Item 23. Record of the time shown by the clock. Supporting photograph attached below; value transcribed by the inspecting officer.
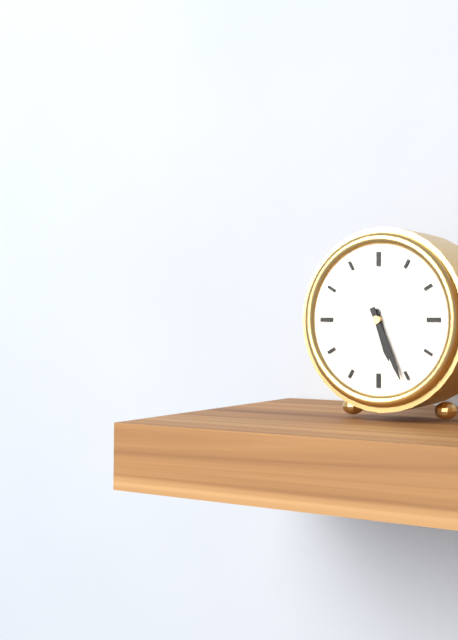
5:26
